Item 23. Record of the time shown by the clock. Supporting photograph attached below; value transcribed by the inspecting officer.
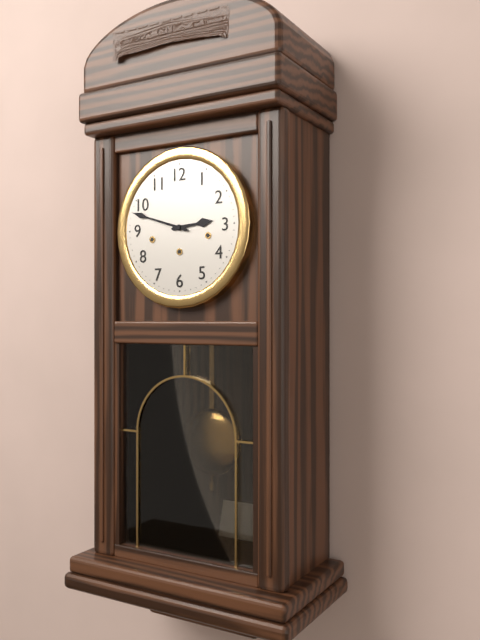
2:48
